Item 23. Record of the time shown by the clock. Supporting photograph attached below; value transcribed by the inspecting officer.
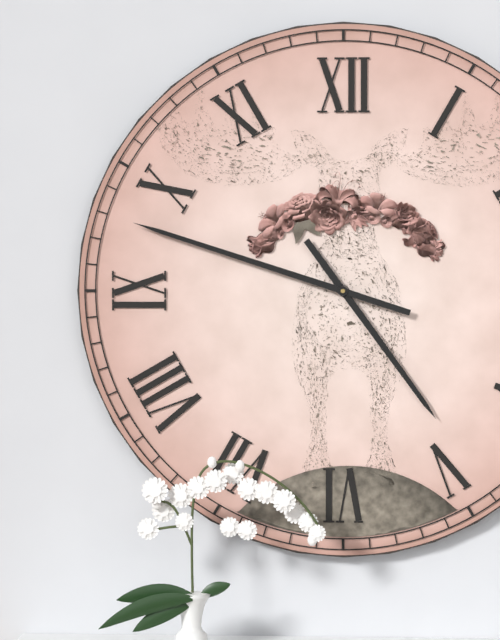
4:48
